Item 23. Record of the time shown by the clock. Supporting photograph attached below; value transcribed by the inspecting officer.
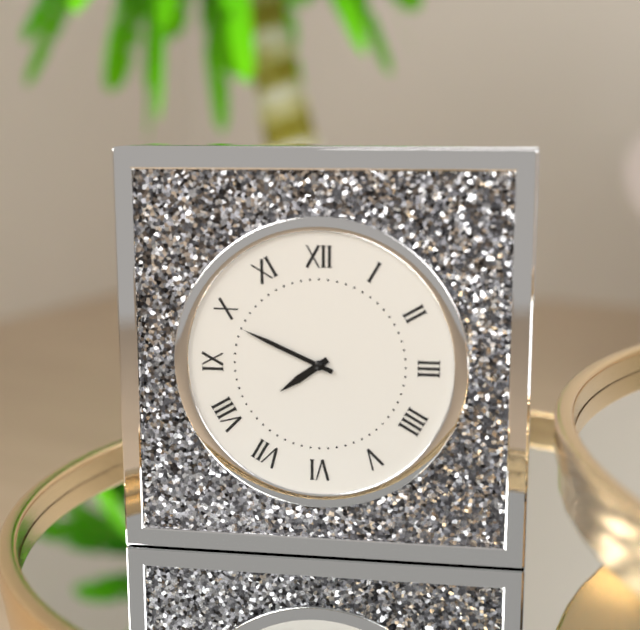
7:49
